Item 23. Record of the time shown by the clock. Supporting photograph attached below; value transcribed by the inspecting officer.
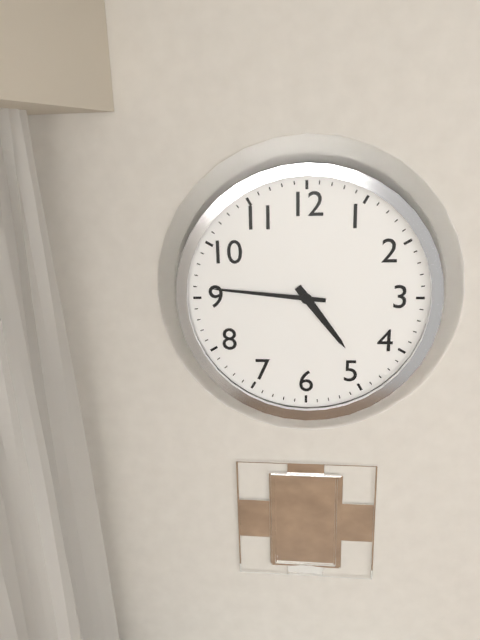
4:46
